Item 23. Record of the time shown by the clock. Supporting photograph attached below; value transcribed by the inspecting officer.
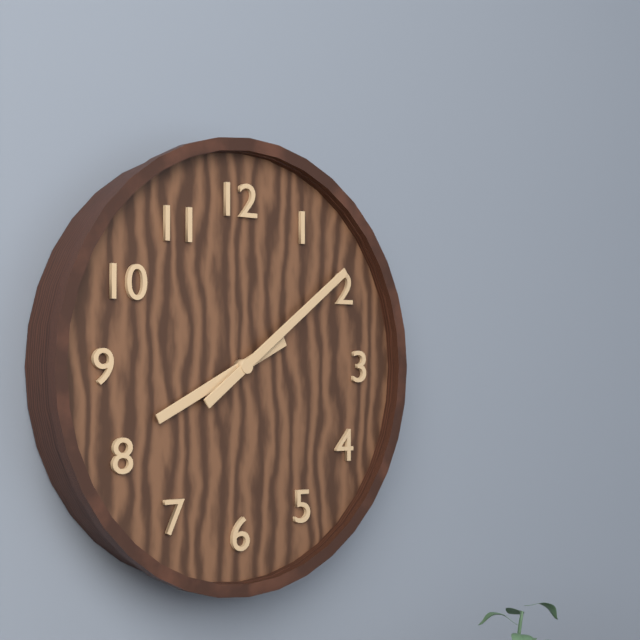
8:09
